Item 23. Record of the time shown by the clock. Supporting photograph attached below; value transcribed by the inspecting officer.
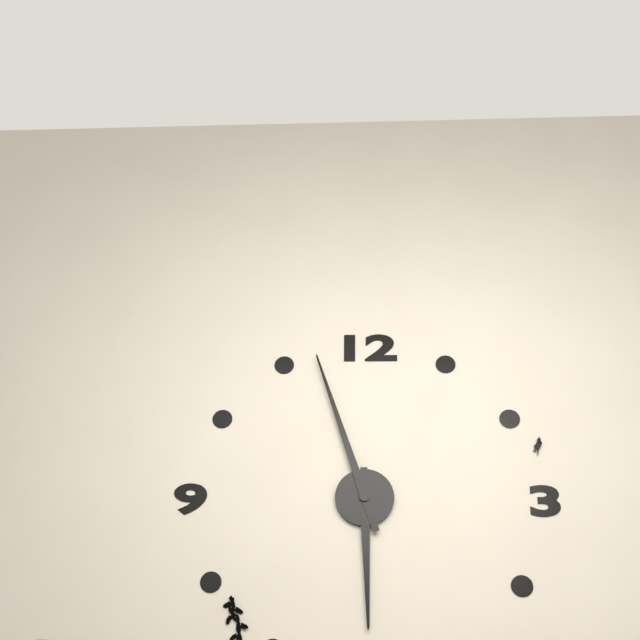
5:57
